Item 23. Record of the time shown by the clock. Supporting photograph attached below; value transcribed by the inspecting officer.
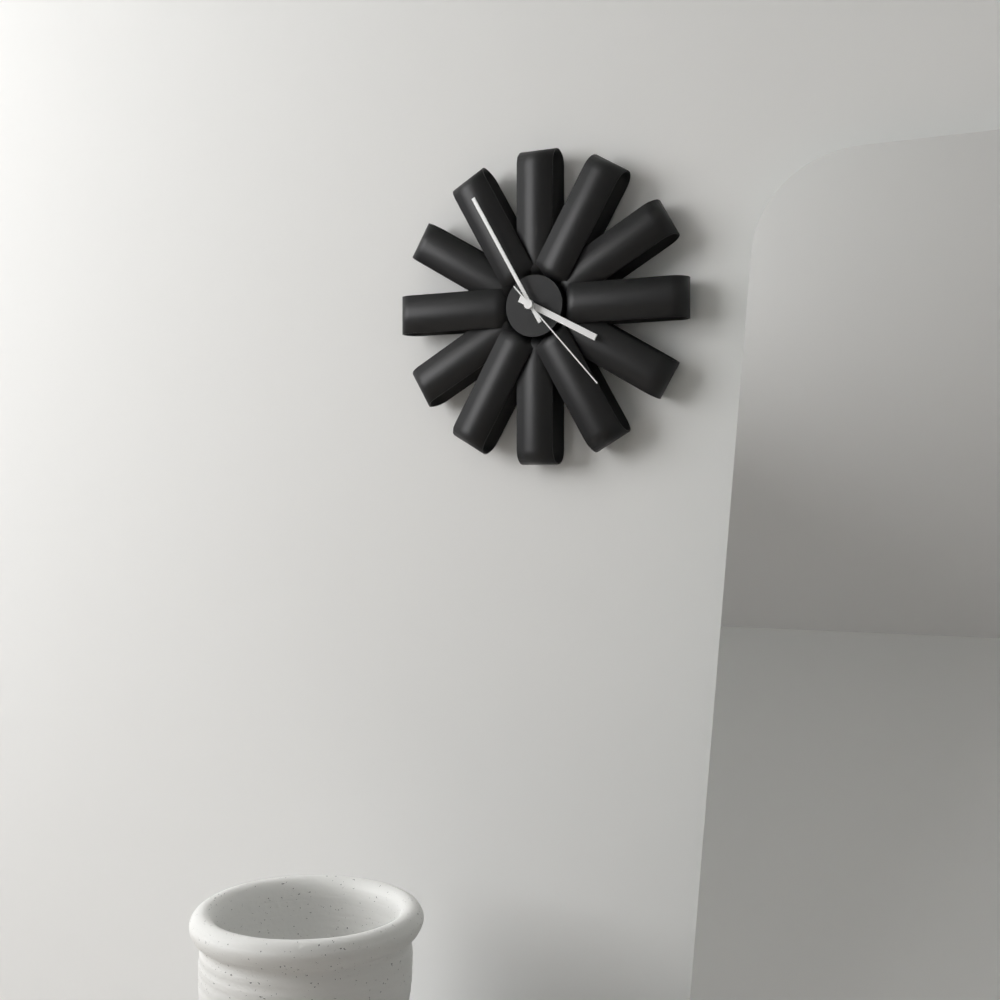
3:55:23
